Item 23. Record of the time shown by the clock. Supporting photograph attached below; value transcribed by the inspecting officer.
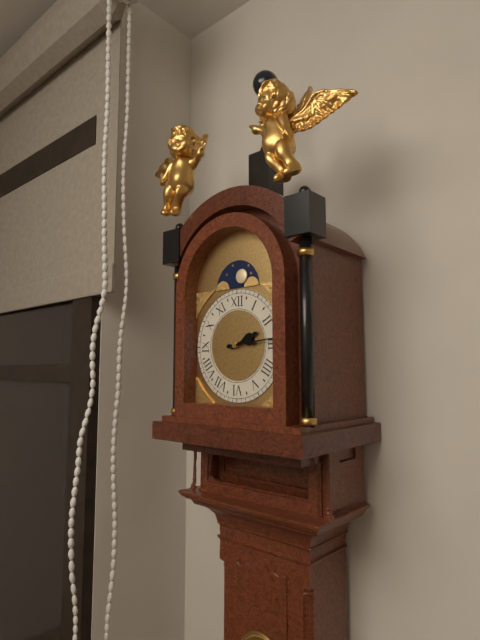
2:14
